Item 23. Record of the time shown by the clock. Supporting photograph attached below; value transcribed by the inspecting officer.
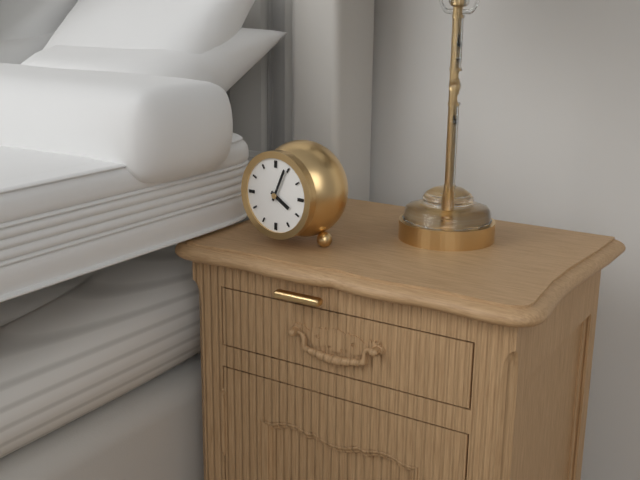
4:04
